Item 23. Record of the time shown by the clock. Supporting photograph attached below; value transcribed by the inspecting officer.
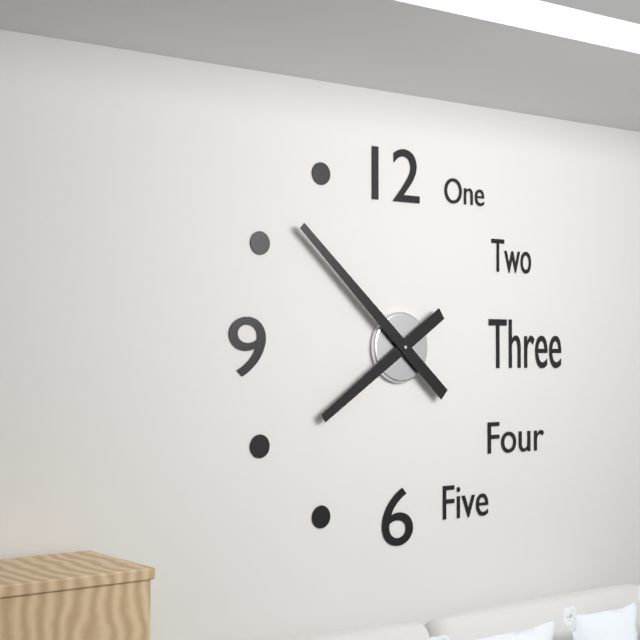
7:52
